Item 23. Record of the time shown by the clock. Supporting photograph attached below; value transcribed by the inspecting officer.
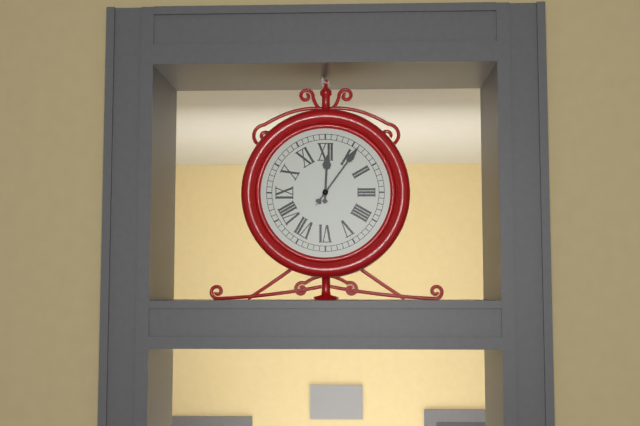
12:06
